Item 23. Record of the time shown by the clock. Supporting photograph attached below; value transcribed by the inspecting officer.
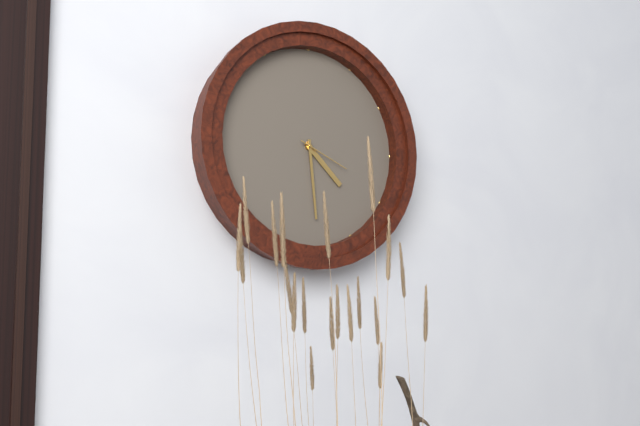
4:29:19
